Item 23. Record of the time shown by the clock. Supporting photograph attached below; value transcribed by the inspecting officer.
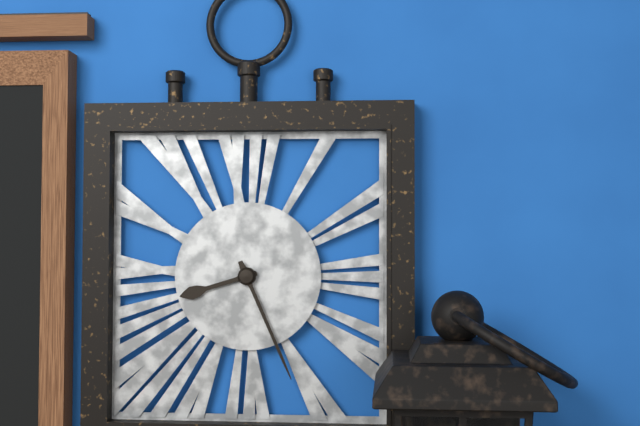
8:26
